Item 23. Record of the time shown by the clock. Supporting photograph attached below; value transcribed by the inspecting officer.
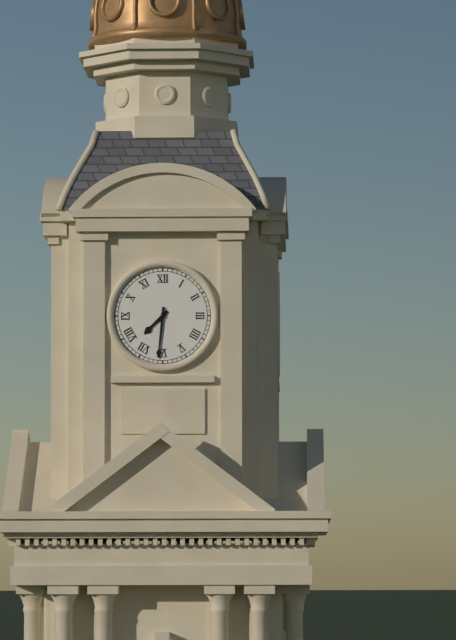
7:31
